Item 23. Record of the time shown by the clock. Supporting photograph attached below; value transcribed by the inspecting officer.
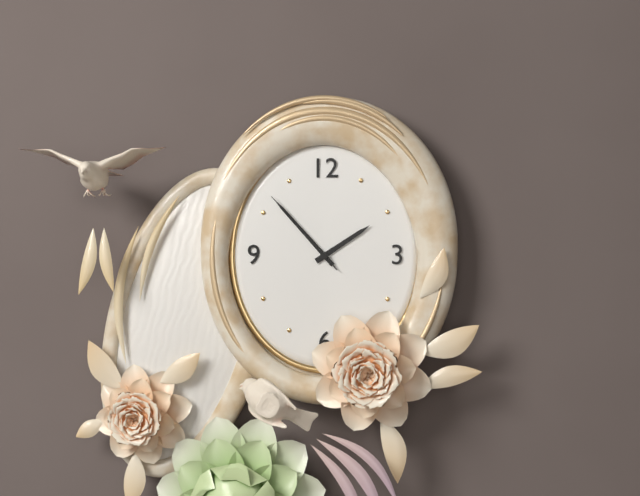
1:53:53
